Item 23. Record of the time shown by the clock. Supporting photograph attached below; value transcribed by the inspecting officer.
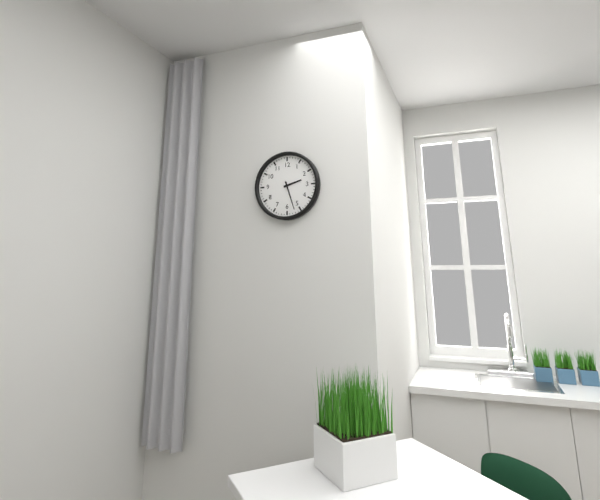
2:27
